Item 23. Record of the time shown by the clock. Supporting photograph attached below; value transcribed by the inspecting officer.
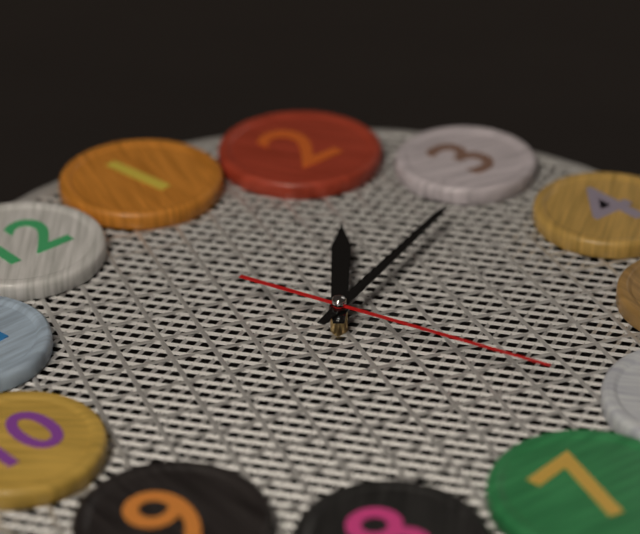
2:16:31
